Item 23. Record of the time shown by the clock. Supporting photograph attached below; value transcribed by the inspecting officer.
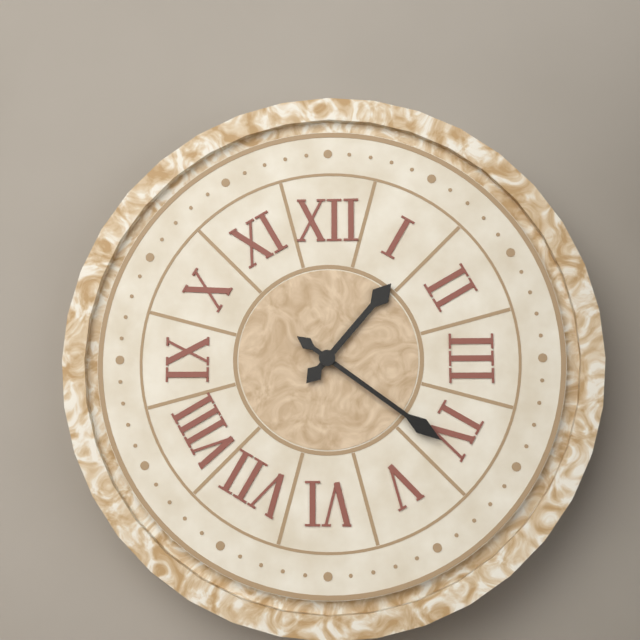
1:21
